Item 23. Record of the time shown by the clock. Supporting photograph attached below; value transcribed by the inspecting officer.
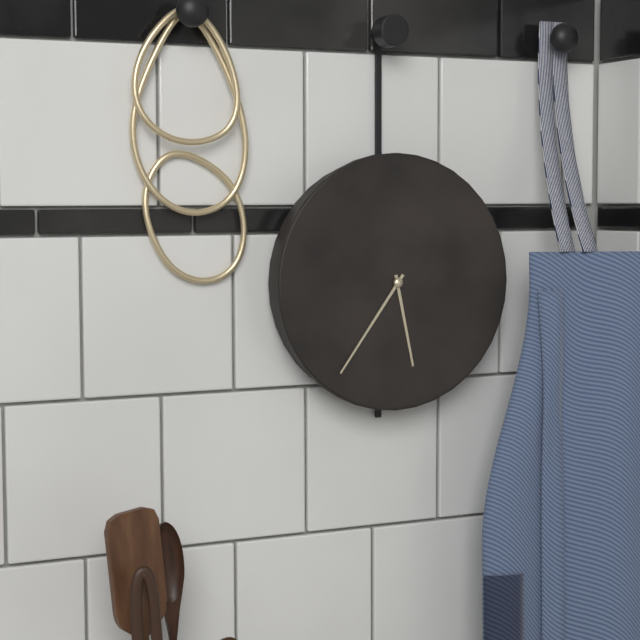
5:36
